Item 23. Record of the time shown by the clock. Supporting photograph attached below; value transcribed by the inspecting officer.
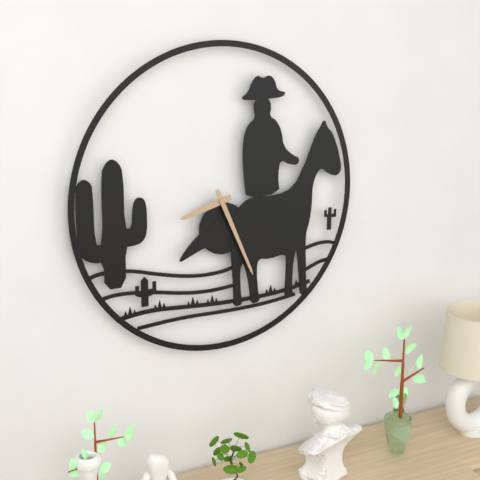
8:26
